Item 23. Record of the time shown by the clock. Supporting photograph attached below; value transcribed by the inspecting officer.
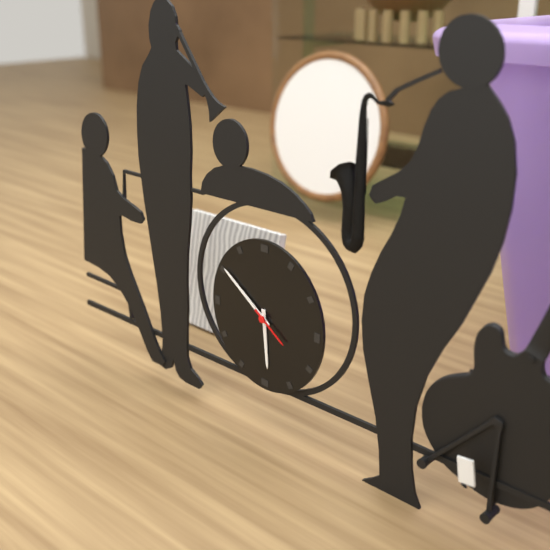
5:51
